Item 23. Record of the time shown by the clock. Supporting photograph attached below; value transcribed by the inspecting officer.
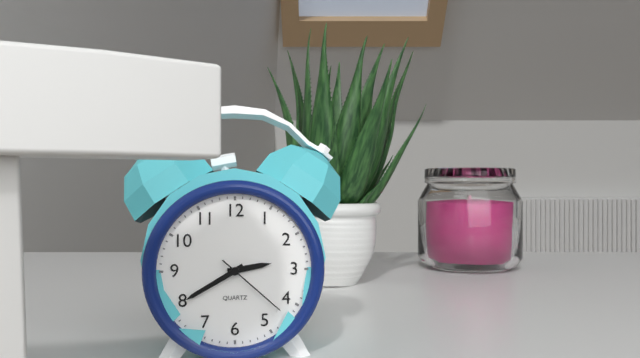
2:40:22
